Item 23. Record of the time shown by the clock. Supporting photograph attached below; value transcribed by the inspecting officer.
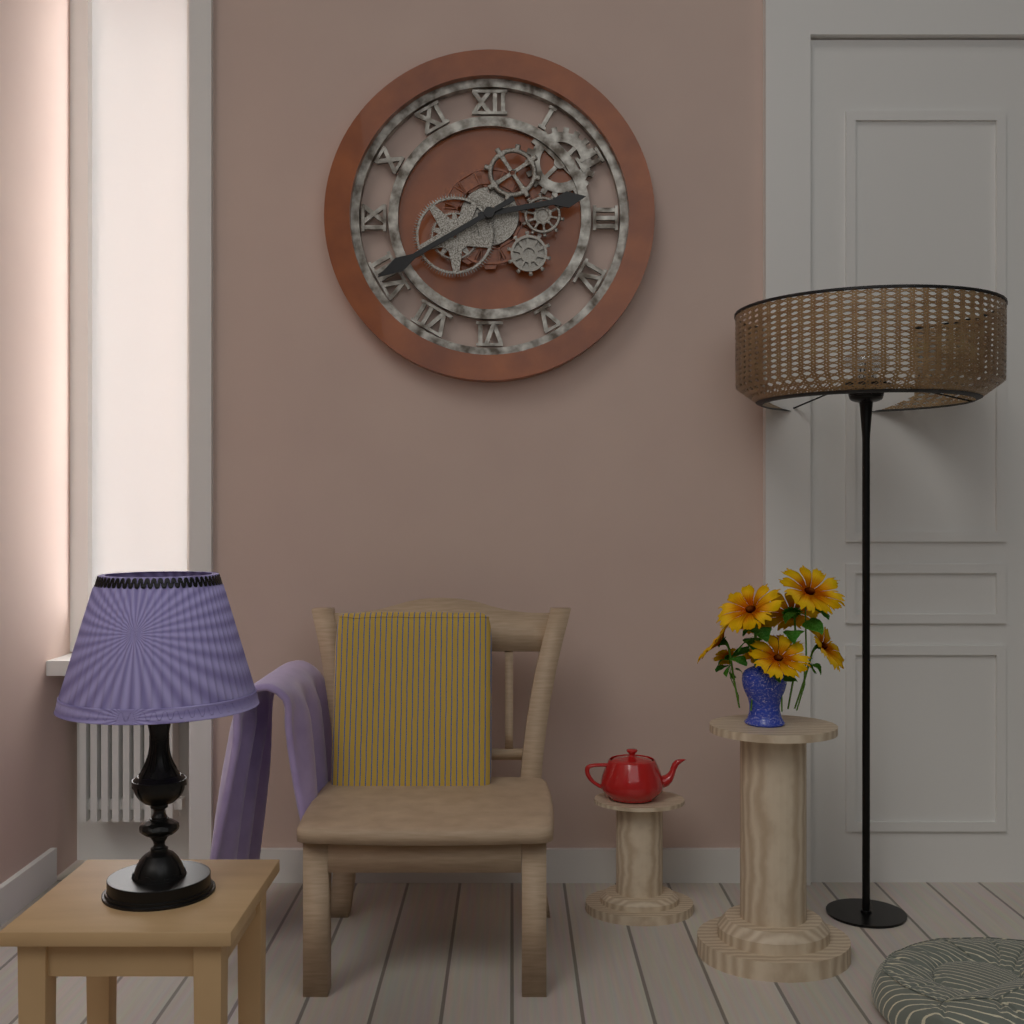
2:40
